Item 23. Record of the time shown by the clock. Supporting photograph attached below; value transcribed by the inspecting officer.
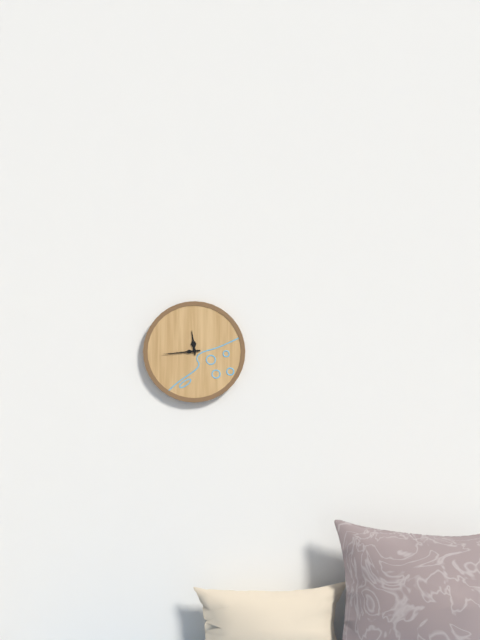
11:44
